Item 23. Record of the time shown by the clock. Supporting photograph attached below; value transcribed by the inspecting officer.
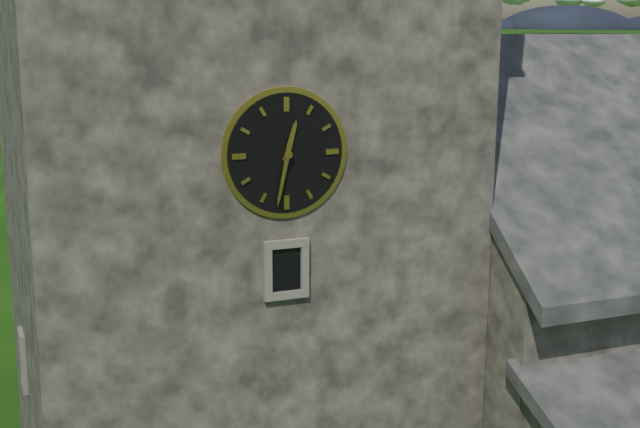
12:32
